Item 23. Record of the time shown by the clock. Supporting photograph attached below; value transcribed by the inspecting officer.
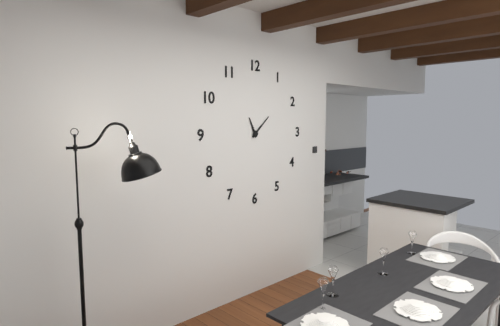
11:08
